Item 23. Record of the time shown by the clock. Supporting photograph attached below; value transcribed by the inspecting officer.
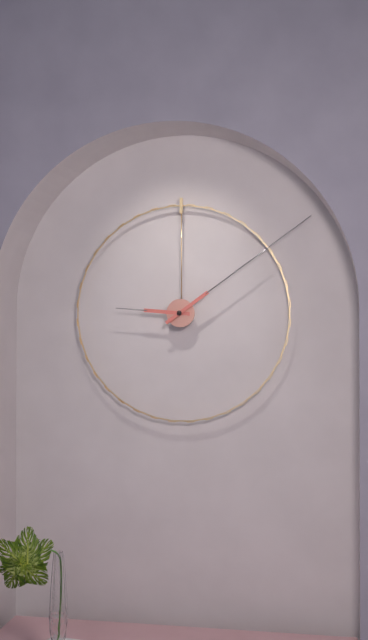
9:09
